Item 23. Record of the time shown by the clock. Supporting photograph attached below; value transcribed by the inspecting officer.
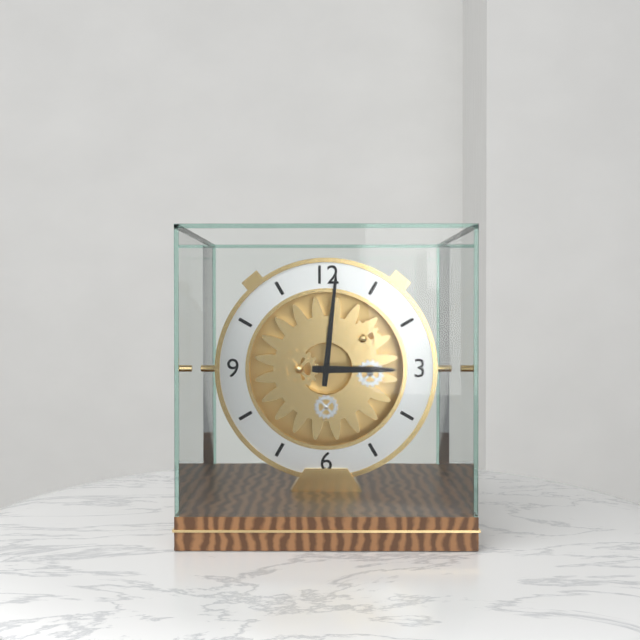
3:01
